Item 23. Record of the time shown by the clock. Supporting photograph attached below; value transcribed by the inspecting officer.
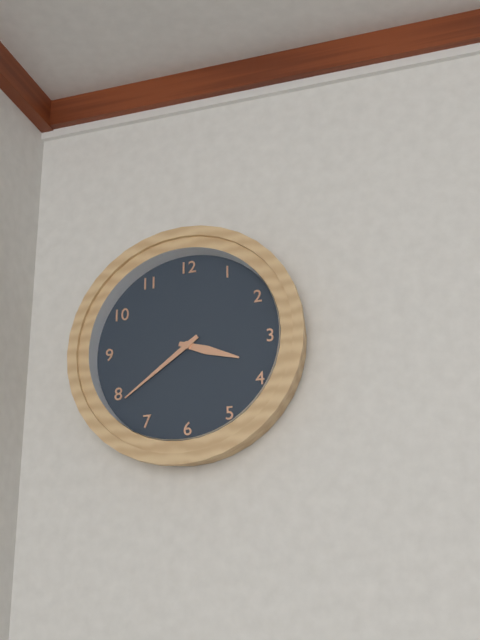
3:39
